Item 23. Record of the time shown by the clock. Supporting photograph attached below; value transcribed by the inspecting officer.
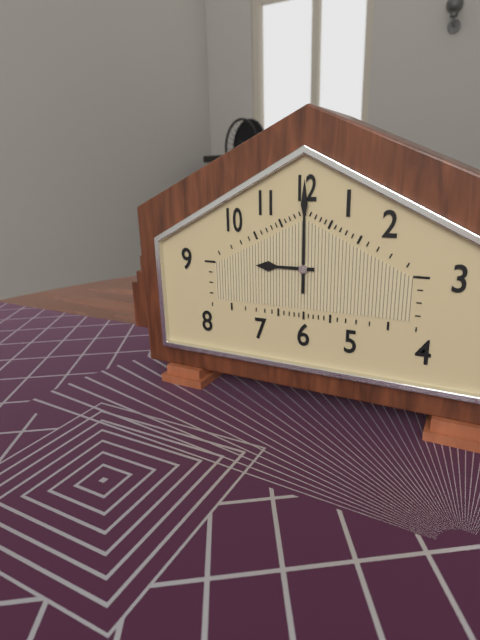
9:00
